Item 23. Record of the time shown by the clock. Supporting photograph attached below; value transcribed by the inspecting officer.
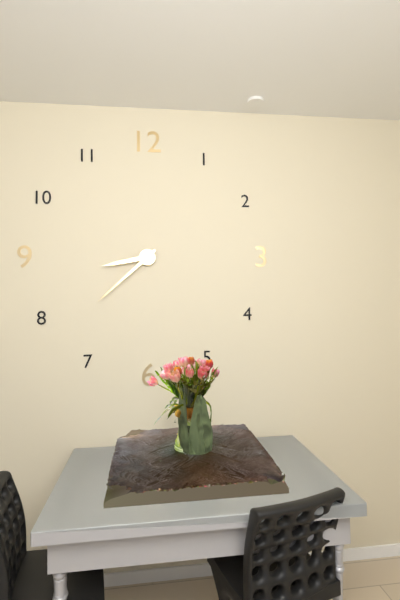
8:38
